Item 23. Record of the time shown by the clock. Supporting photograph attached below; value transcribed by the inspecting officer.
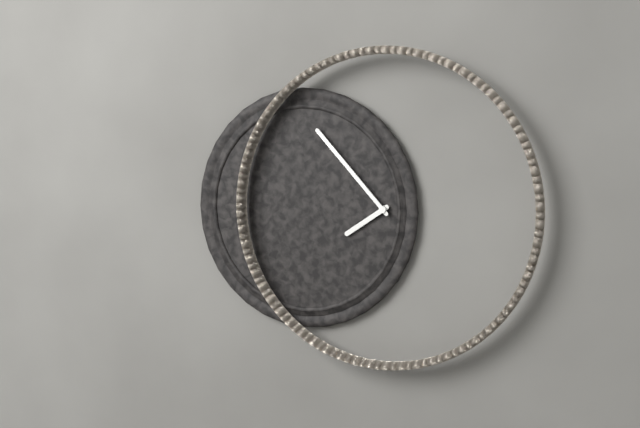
7:53
